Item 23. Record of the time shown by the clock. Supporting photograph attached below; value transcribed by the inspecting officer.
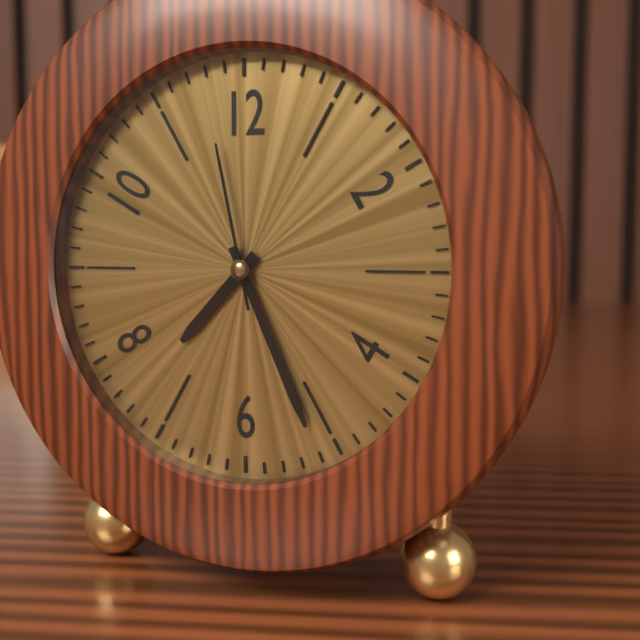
7:26:58
